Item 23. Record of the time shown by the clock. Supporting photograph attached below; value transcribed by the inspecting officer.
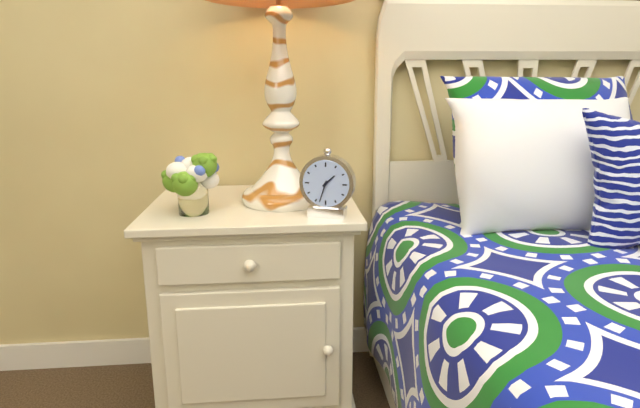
1:33
